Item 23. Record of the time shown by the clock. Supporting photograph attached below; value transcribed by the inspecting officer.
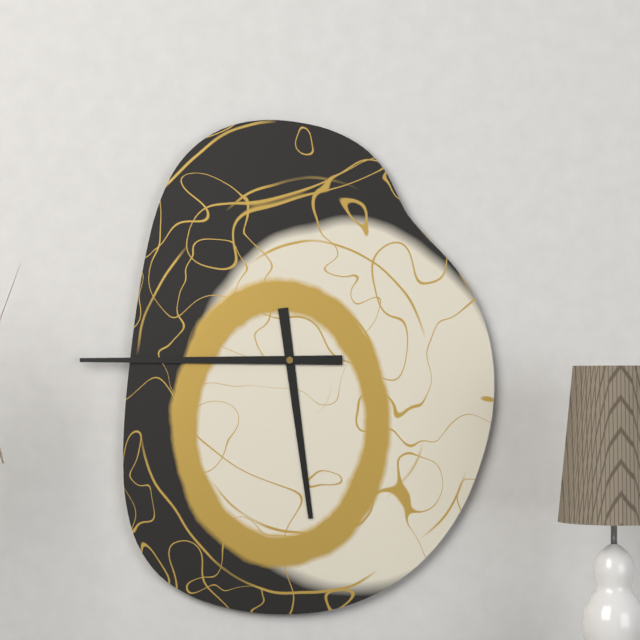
5:45
